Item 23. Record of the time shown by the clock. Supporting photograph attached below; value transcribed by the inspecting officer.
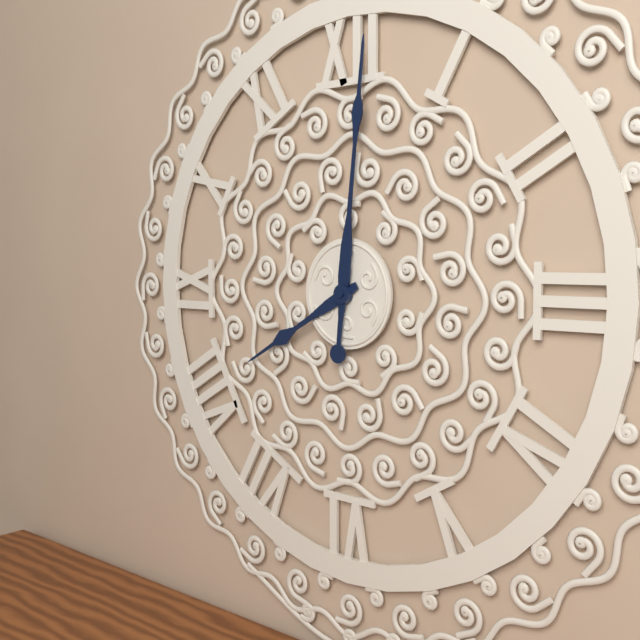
8:01
